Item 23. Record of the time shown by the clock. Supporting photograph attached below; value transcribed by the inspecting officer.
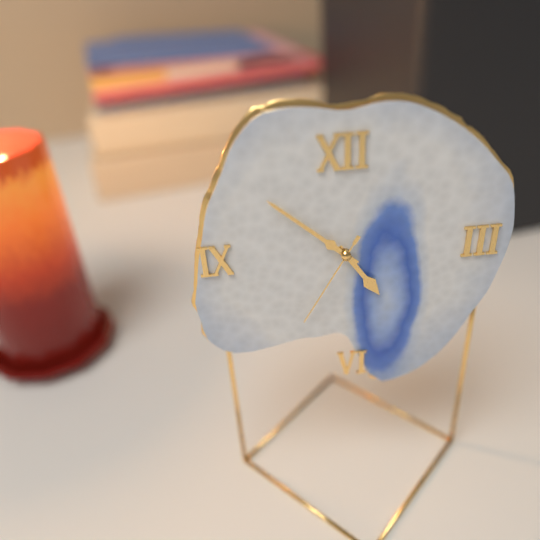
4:52:35
